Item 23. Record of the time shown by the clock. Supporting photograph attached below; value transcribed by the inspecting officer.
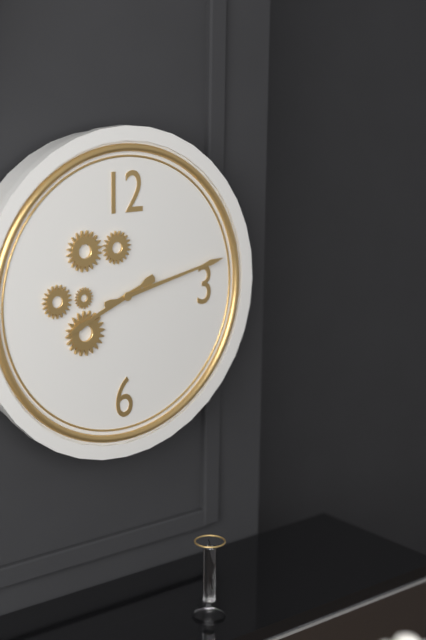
8:13
